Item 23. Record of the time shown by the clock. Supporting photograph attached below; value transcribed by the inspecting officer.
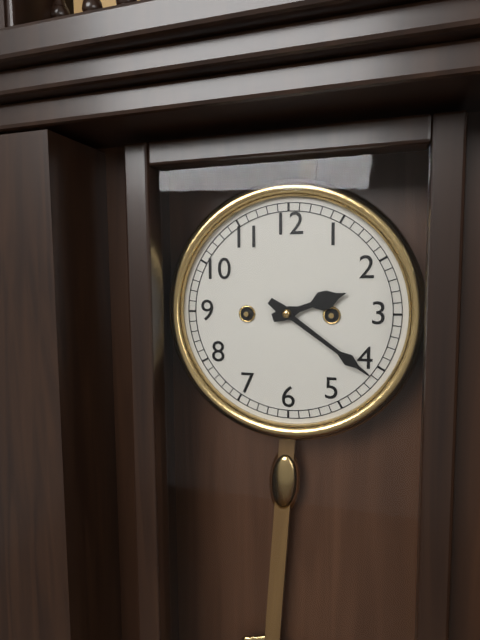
2:21
